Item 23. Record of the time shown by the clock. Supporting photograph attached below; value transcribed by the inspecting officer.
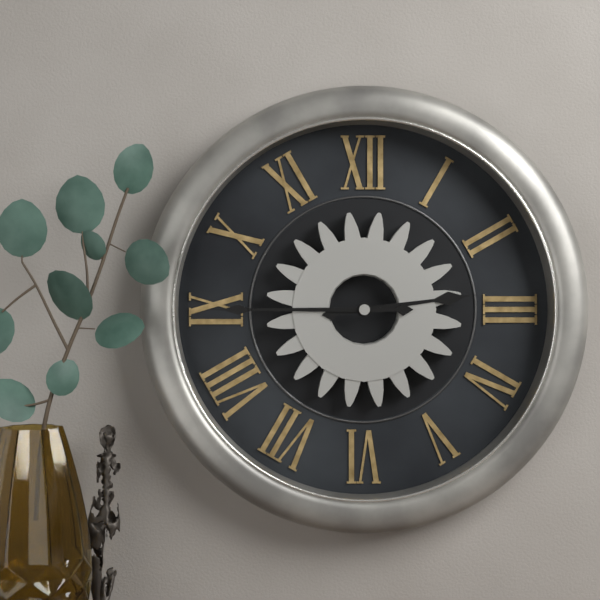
2:45
